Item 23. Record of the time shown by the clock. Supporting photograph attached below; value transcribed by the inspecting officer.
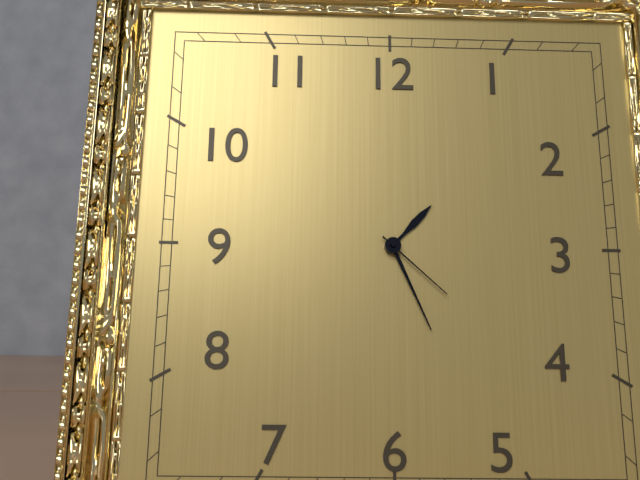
1:26:22
